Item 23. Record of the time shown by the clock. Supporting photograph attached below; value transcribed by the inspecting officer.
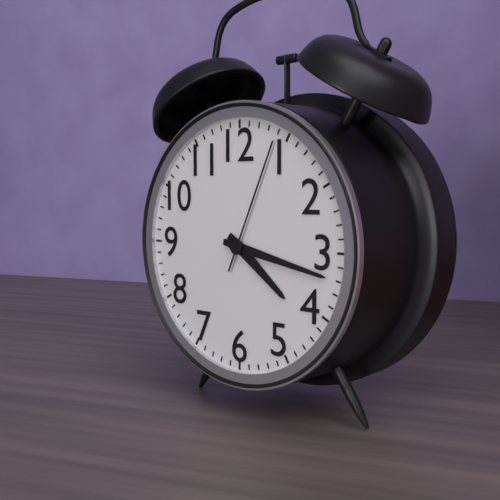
4:17:04
